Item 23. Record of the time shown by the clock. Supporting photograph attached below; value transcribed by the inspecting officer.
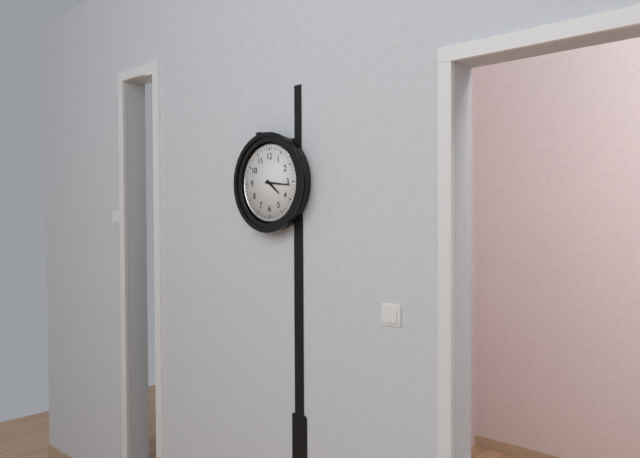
4:16
